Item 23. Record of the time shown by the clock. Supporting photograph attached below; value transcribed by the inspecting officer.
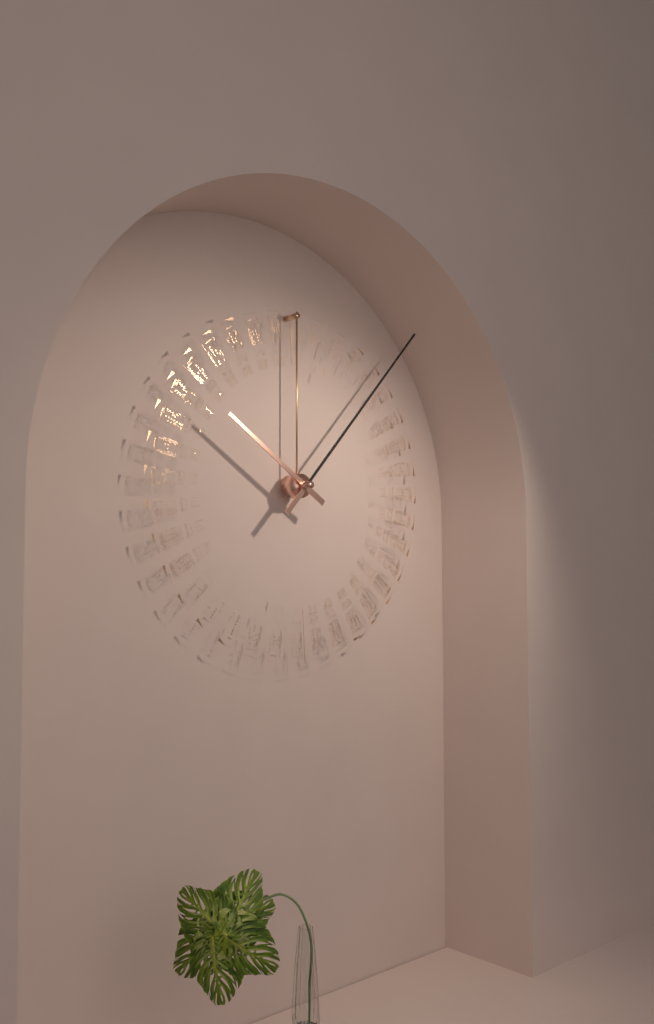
10:07
